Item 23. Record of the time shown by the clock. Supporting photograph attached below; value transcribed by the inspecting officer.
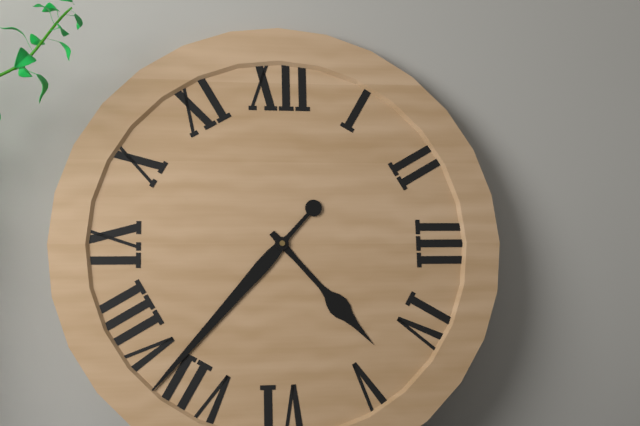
4:37
